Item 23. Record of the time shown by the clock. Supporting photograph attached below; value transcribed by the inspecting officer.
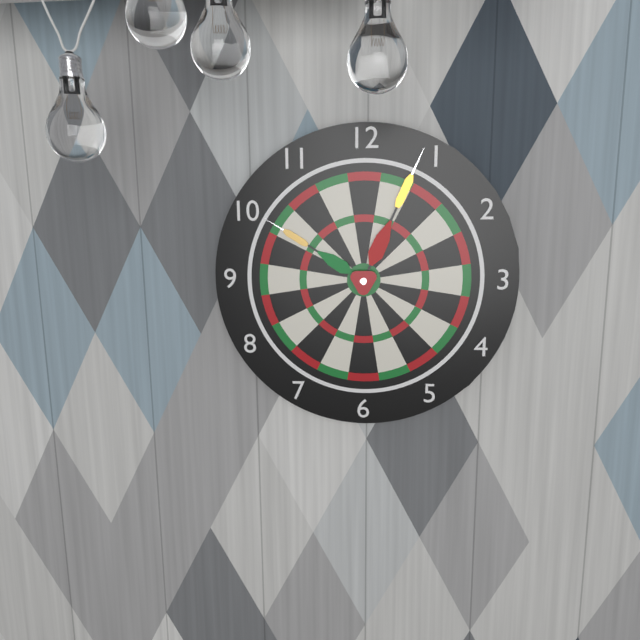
10:04
